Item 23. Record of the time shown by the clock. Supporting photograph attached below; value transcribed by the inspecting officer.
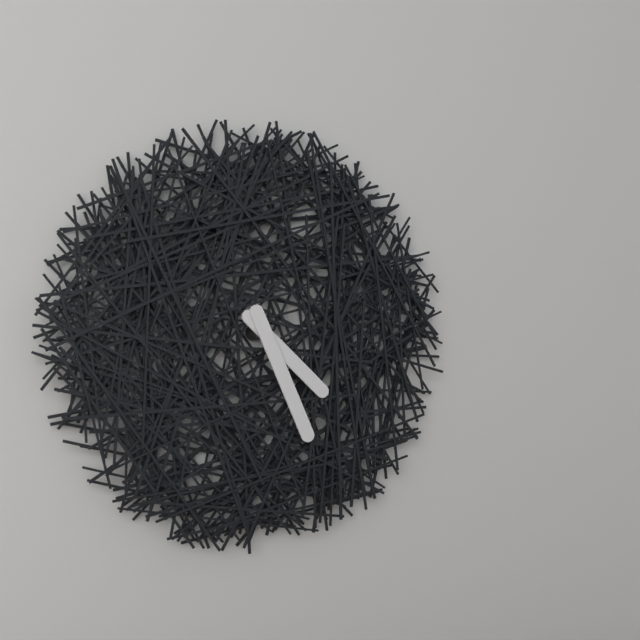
4:26
